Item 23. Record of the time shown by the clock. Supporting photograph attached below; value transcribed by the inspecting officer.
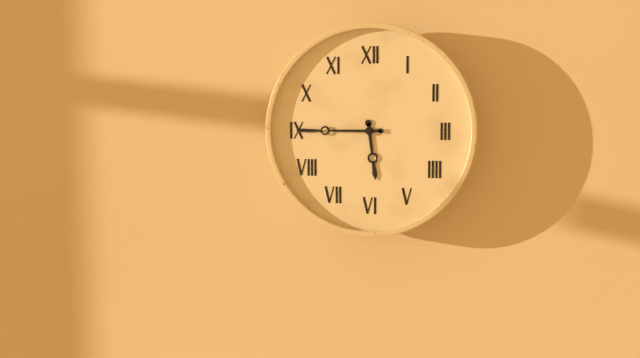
5:45
